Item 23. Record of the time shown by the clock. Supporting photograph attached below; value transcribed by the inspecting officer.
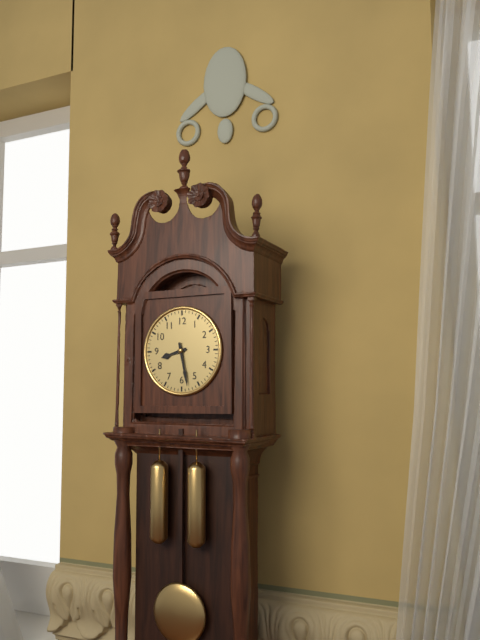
8:28
